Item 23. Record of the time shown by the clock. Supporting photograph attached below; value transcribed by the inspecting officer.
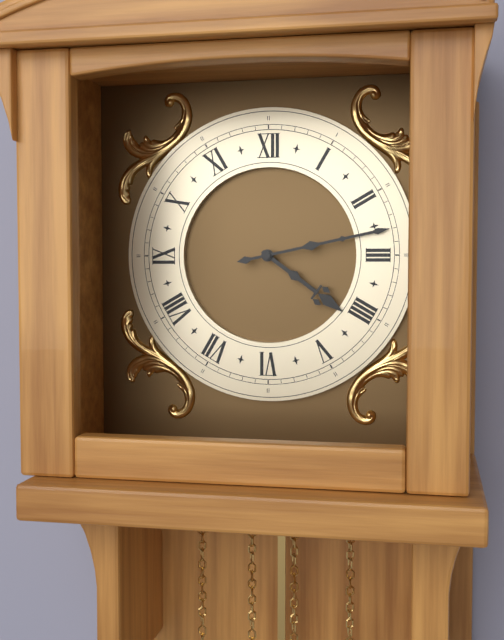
4:13
